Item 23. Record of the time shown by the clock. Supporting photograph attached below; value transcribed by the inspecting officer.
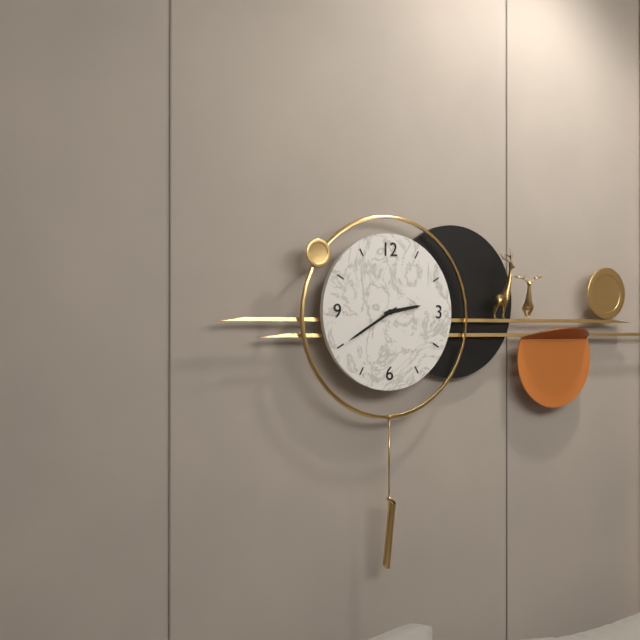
2:40
